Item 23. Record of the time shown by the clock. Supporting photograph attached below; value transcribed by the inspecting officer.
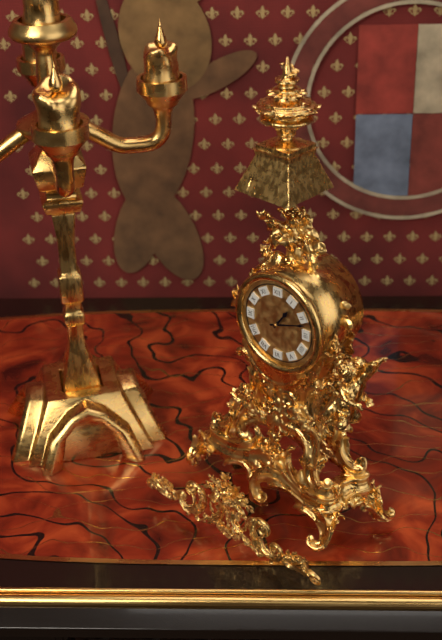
1:12
